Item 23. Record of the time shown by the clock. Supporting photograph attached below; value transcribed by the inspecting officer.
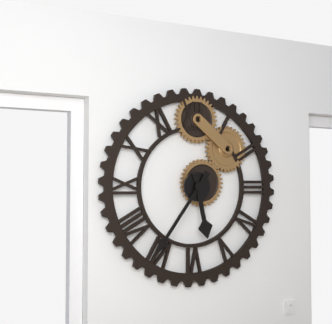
5:36
